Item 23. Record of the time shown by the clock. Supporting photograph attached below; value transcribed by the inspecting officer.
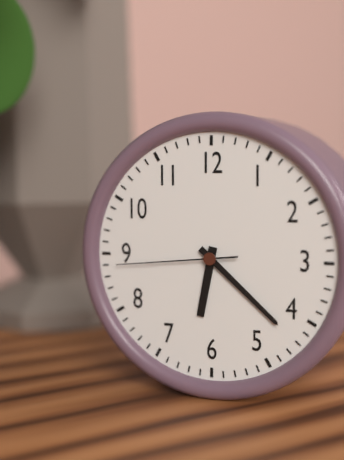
6:22:44
